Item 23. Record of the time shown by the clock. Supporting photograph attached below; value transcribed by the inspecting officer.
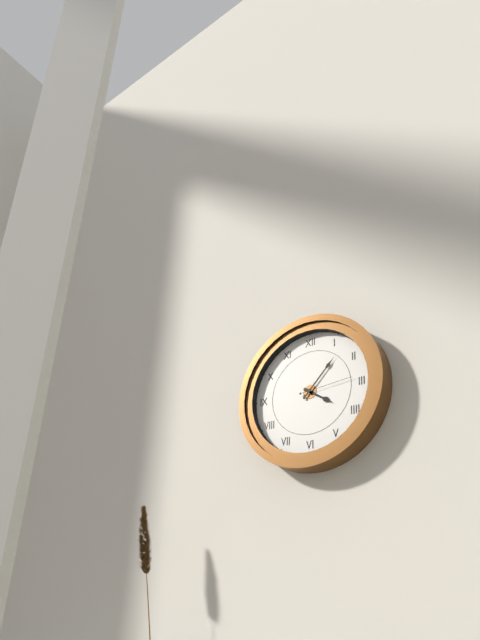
4:07:14
